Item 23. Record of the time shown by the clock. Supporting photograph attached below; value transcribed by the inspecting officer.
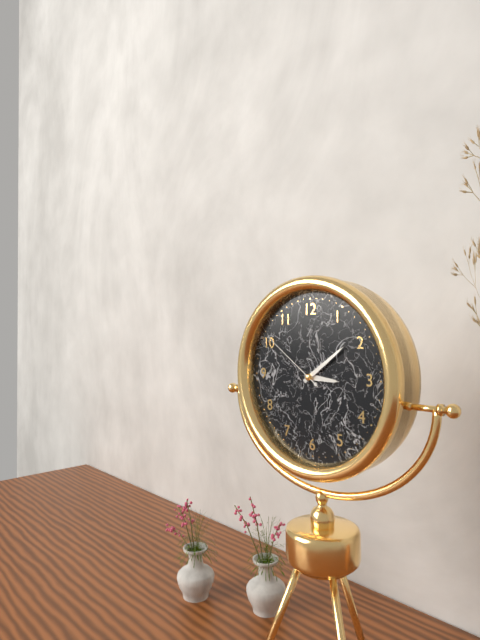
3:09:51
